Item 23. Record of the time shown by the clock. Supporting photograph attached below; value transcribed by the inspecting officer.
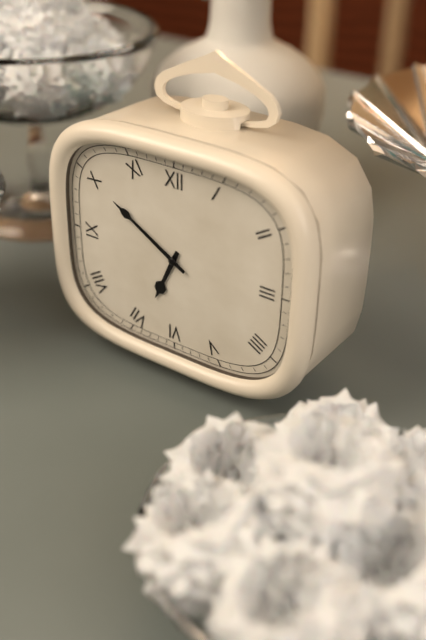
6:50
